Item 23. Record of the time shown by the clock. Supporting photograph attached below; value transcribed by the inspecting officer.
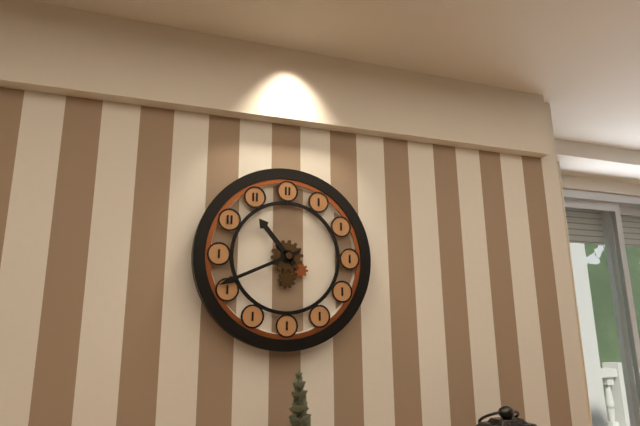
10:41
